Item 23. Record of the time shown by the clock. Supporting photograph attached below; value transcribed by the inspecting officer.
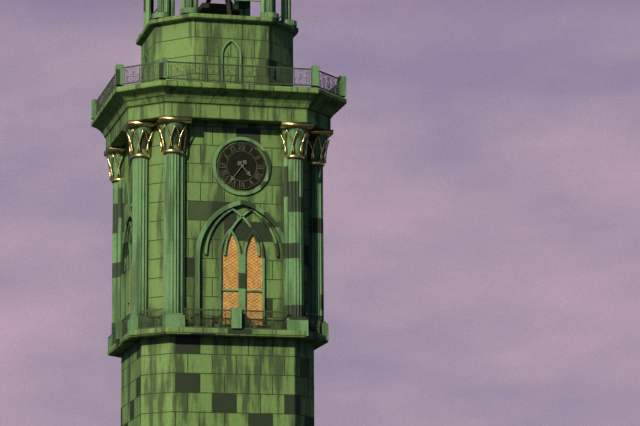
4:36
